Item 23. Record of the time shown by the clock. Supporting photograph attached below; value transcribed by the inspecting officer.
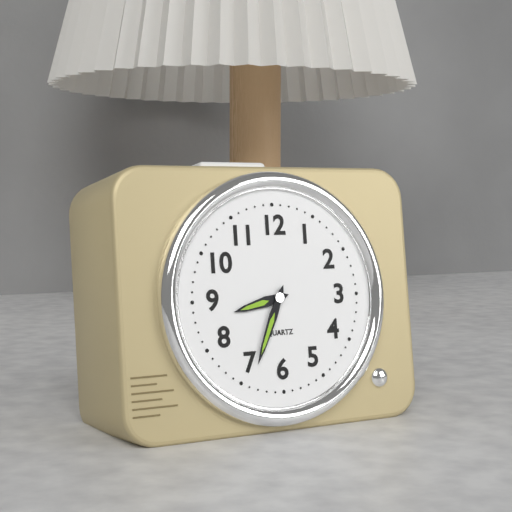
8:34
